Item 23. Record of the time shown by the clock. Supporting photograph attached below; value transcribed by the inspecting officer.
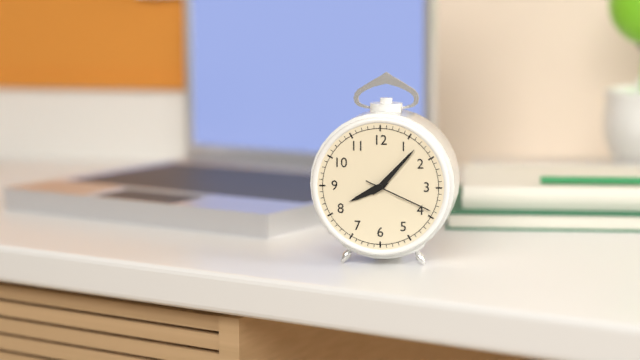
8:07:19
